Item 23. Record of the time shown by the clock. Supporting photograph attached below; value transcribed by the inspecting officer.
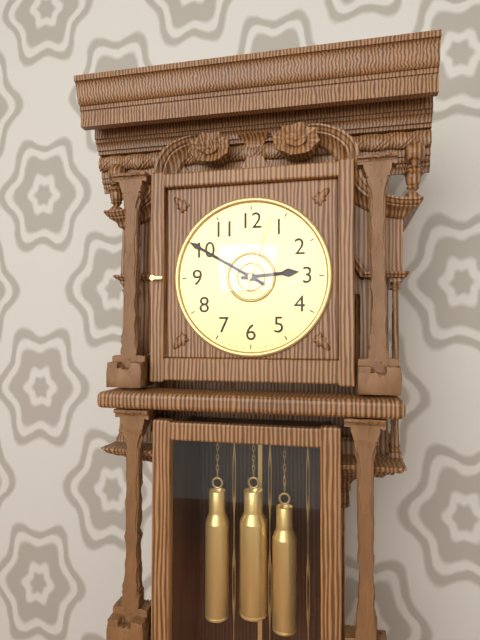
2:50:03
